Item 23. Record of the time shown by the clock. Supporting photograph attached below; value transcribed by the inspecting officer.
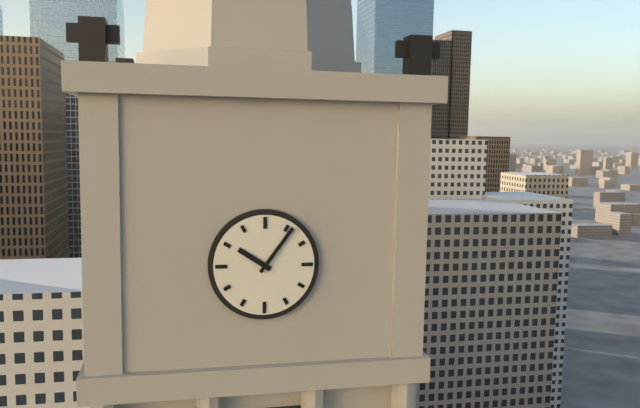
10:06
